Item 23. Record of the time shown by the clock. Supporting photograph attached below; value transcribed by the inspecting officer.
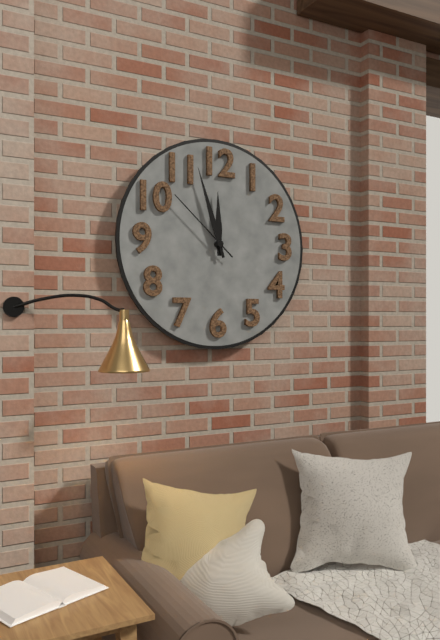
11:57:52
